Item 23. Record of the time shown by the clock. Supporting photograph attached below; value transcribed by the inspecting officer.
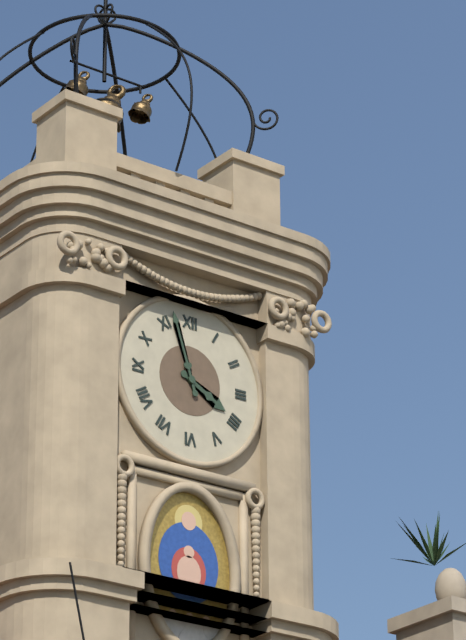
3:57
